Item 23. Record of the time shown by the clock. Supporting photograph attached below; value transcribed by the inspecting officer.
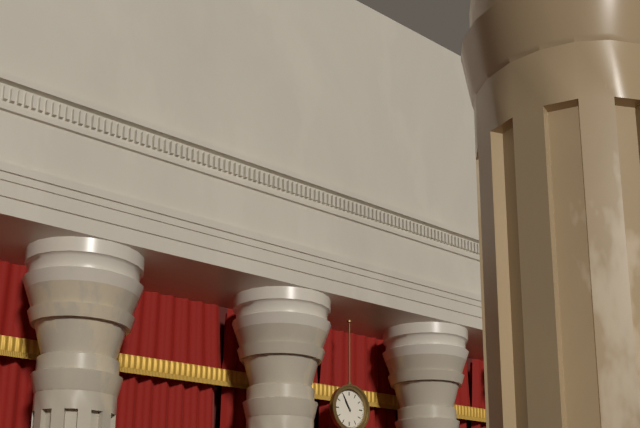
10:55
